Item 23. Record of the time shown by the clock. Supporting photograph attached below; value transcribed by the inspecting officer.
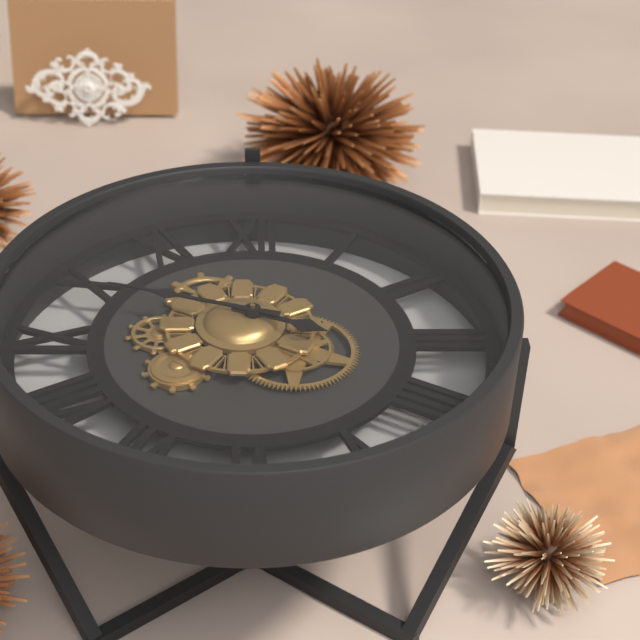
3:48
